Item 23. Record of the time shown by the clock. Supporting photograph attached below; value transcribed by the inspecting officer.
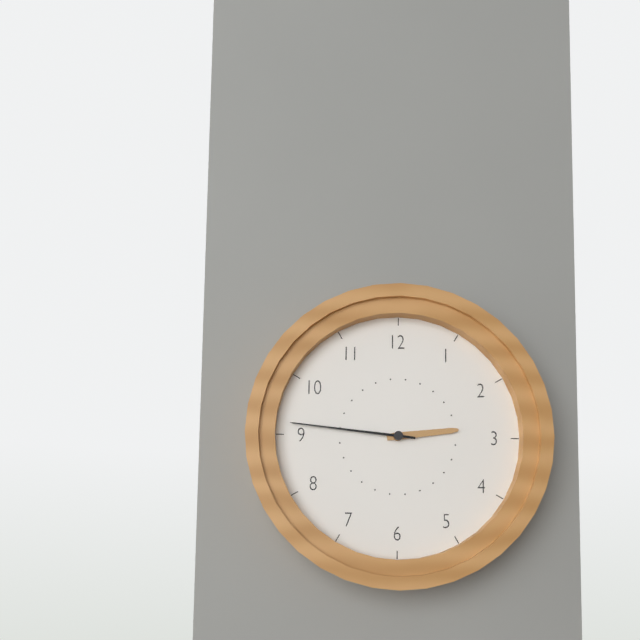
2:46
